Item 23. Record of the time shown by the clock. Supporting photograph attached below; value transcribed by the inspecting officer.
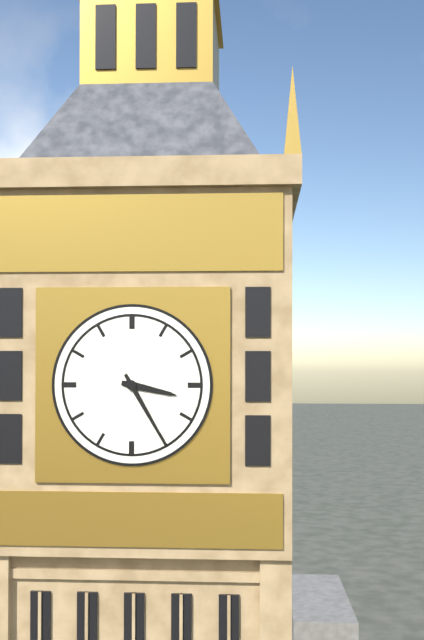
3:25
